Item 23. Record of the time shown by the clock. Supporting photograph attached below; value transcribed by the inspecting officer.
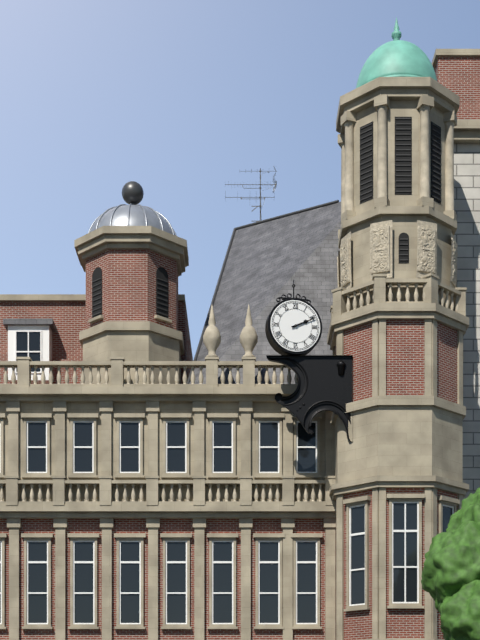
2:11
